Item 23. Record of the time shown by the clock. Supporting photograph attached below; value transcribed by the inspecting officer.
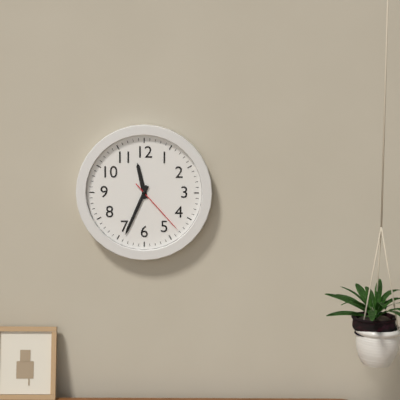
11:34:23
